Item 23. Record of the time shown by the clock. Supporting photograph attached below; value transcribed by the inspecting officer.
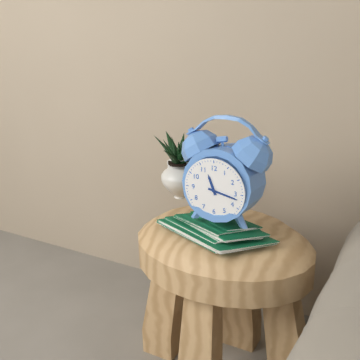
11:17
